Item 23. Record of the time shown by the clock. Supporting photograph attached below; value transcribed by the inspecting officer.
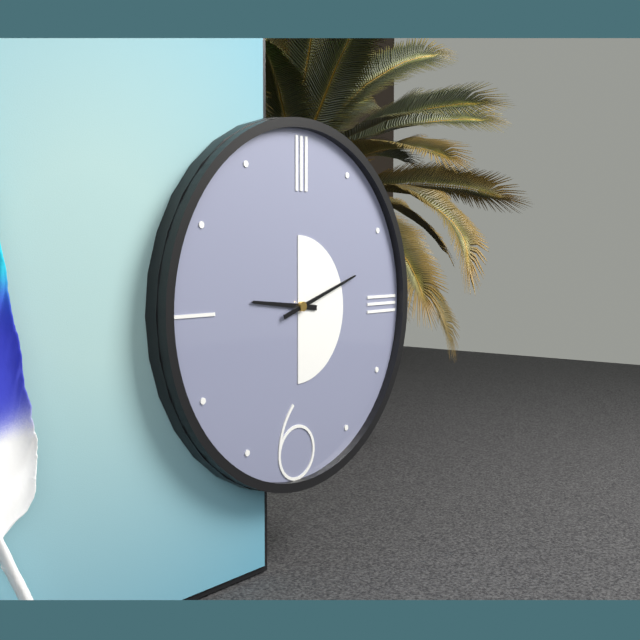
9:12
